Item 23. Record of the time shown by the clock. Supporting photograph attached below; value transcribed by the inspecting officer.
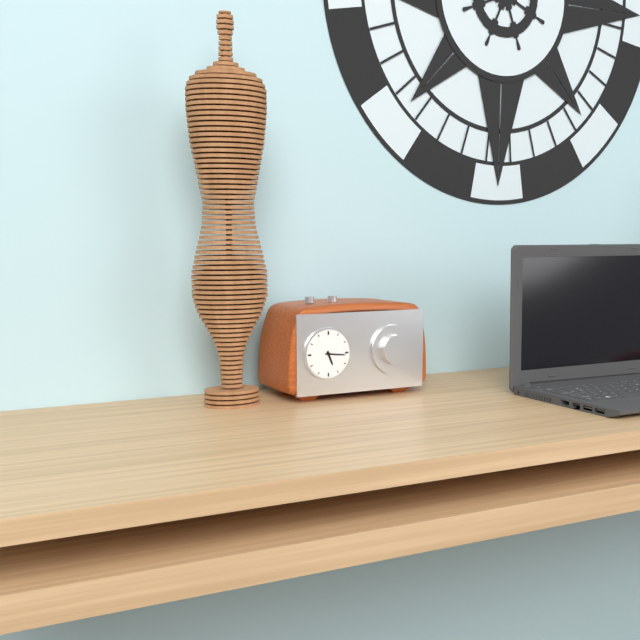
5:16
